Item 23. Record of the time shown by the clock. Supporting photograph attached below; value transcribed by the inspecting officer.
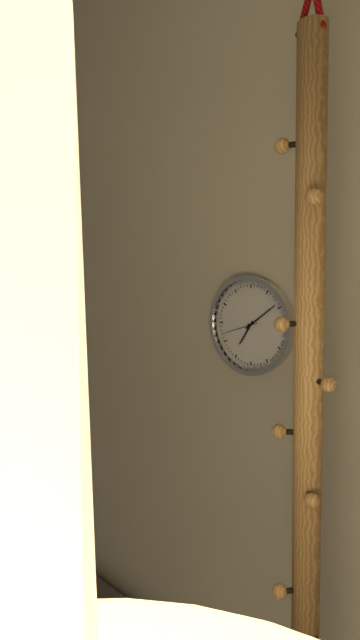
7:09
